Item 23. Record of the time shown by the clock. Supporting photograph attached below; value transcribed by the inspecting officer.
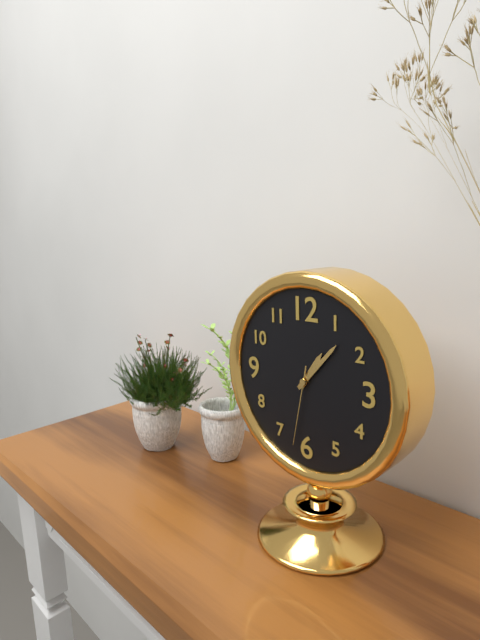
1:07:32
